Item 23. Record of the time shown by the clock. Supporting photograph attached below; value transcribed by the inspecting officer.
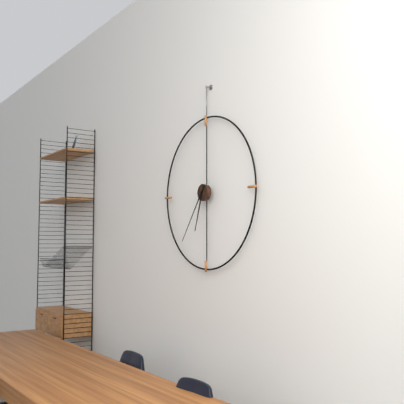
6:36
